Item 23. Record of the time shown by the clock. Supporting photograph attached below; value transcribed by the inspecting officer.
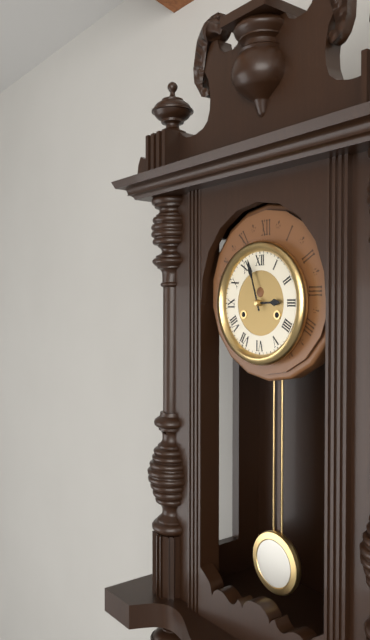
2:57
